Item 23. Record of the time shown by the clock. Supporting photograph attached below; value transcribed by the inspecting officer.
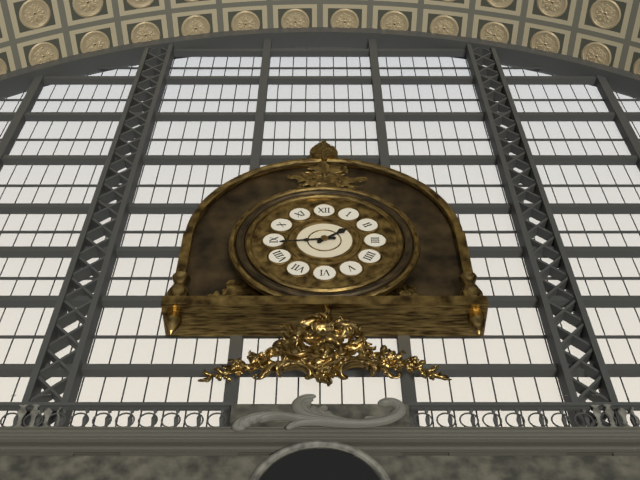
1:44
